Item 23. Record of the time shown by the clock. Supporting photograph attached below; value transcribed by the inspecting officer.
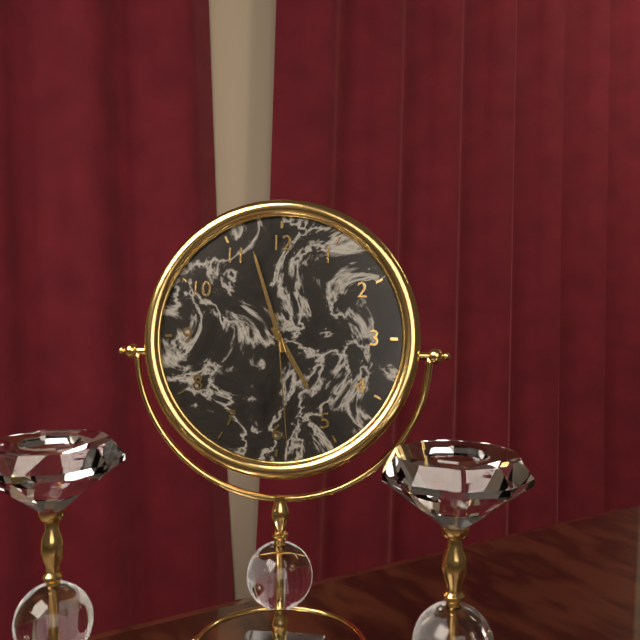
4:57:29
